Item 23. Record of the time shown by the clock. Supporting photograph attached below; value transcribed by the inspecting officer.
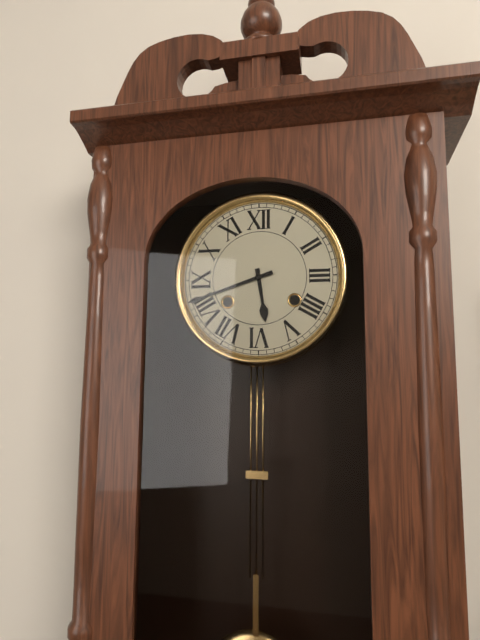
5:42
